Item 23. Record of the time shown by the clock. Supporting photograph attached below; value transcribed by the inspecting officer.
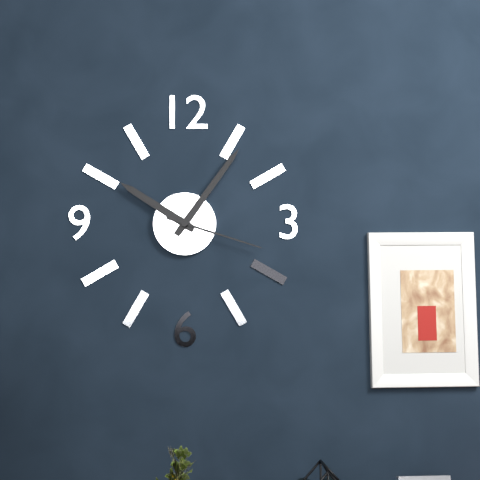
10:06:18
